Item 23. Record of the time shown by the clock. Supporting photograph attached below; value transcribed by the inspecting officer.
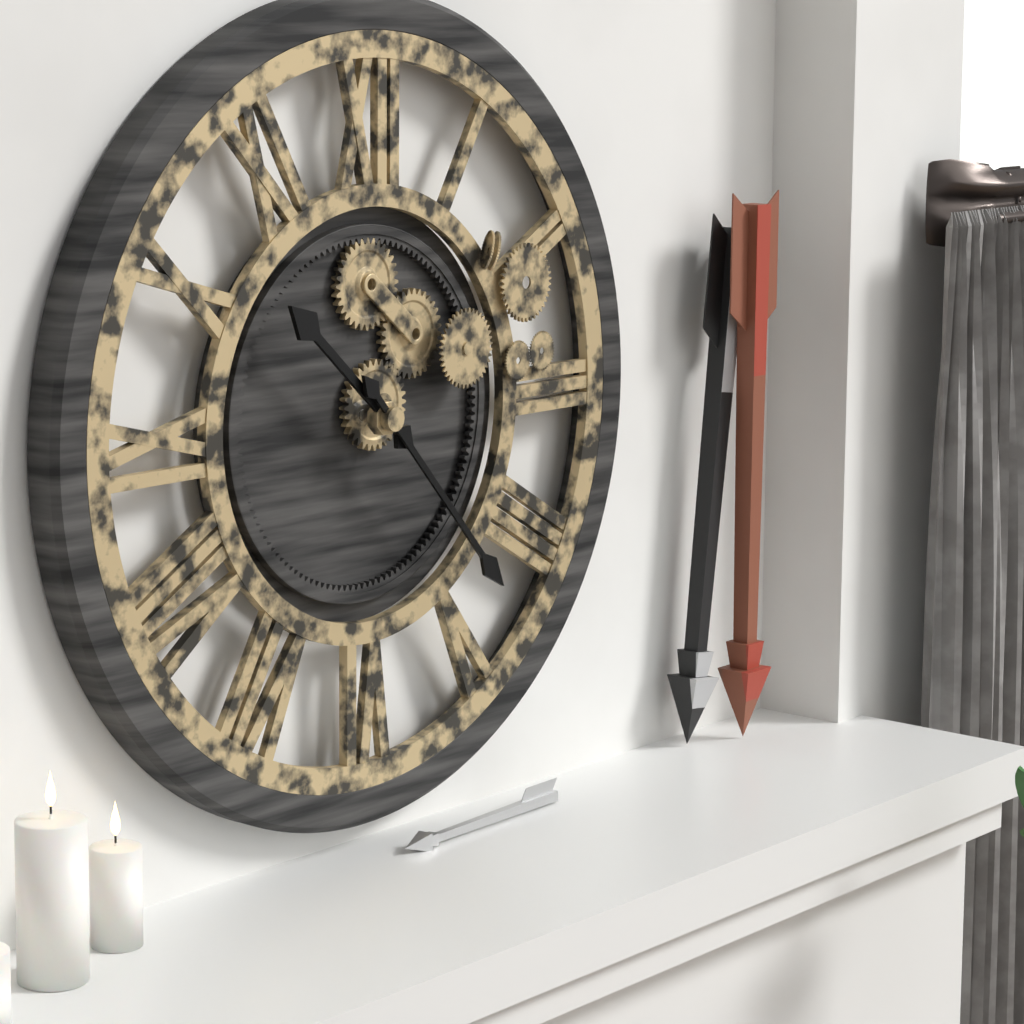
10:23
